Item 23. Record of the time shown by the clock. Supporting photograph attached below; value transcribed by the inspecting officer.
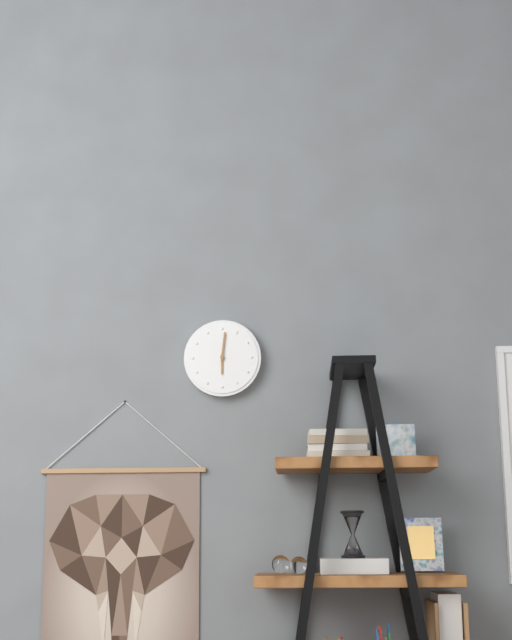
6:01
